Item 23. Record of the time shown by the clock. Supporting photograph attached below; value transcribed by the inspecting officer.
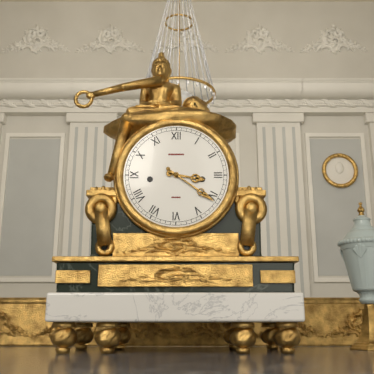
3:21
